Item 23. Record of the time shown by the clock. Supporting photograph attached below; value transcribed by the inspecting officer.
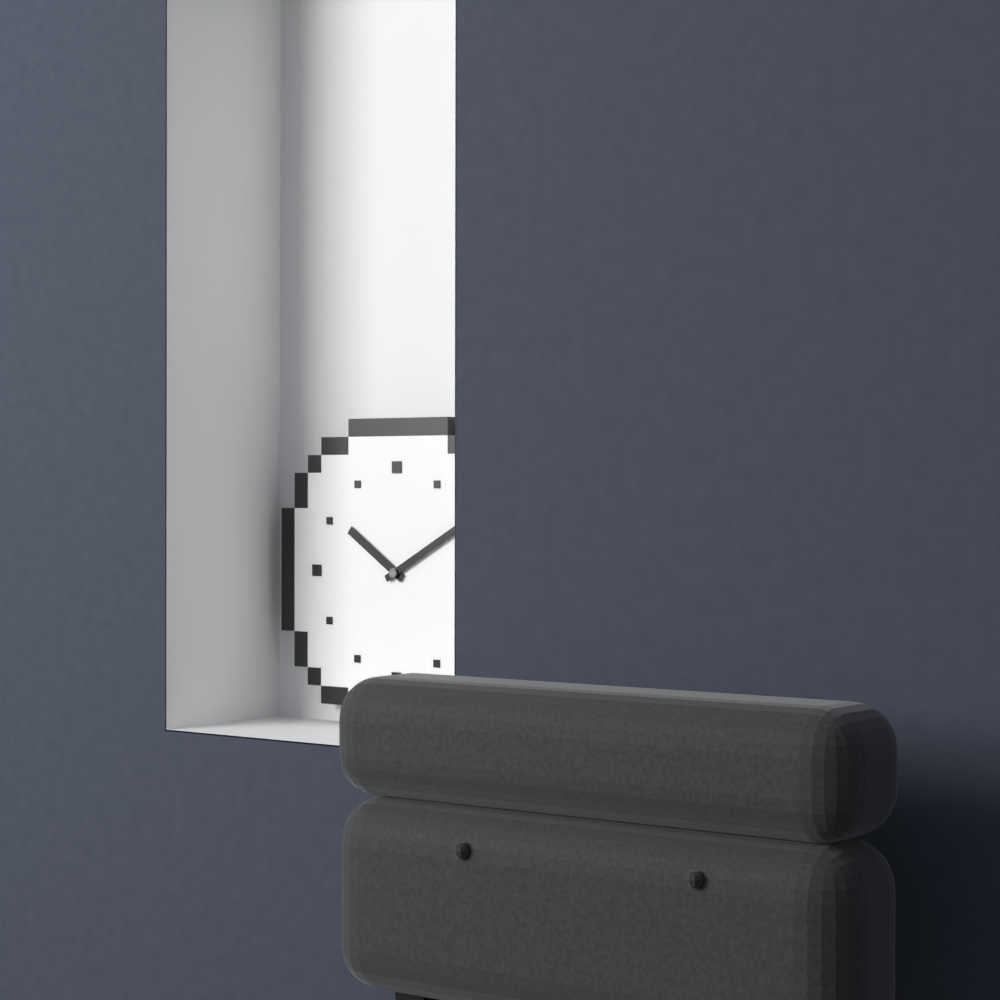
10:10
